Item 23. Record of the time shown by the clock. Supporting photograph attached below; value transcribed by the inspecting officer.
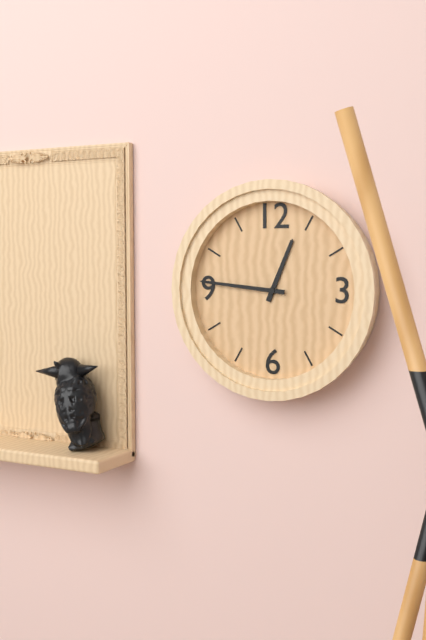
12:46
